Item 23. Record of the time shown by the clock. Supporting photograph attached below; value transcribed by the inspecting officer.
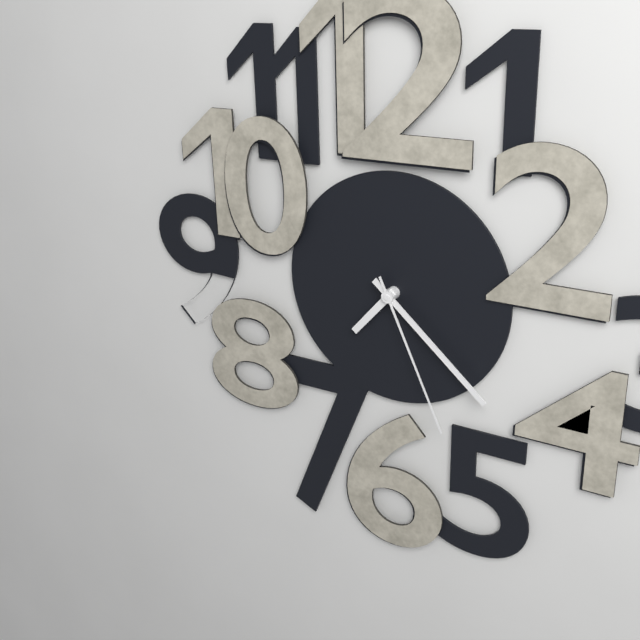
7:22:26
